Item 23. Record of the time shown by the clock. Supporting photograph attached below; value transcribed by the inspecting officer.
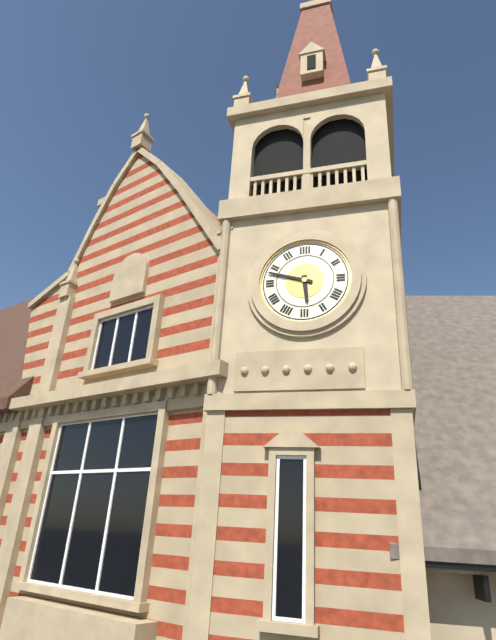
5:48
